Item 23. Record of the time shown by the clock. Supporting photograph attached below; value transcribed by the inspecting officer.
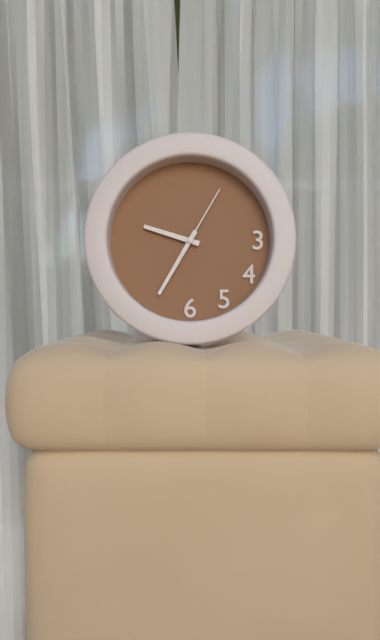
9:35:05
